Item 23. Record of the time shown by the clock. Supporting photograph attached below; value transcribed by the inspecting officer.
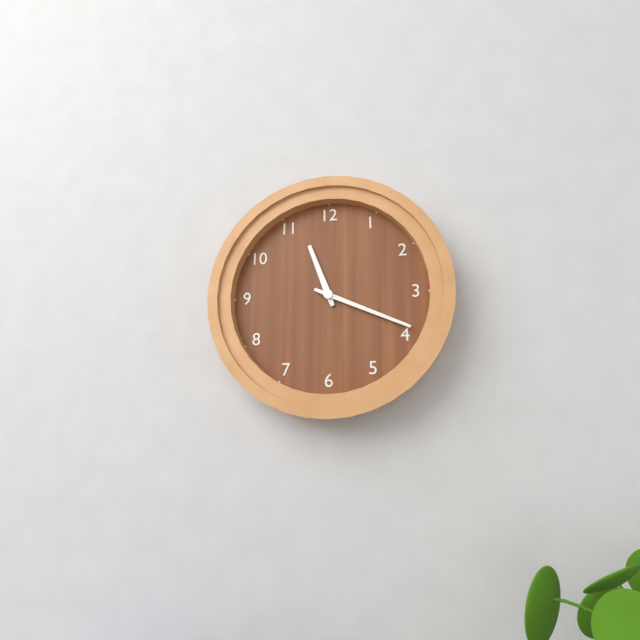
11:19
